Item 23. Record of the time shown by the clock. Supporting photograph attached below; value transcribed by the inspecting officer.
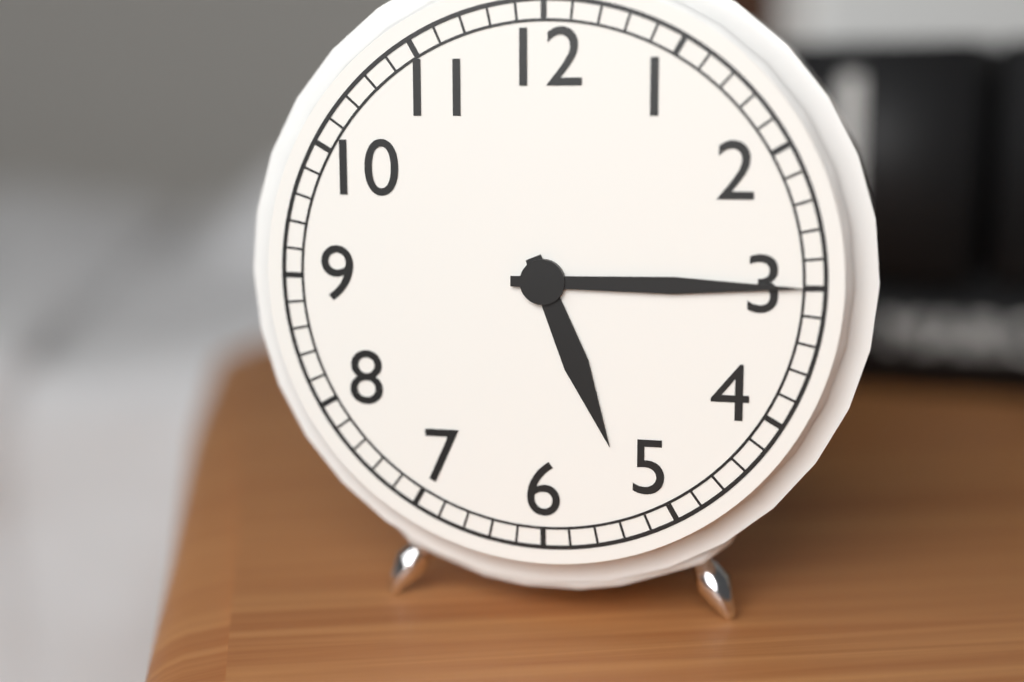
5:15
